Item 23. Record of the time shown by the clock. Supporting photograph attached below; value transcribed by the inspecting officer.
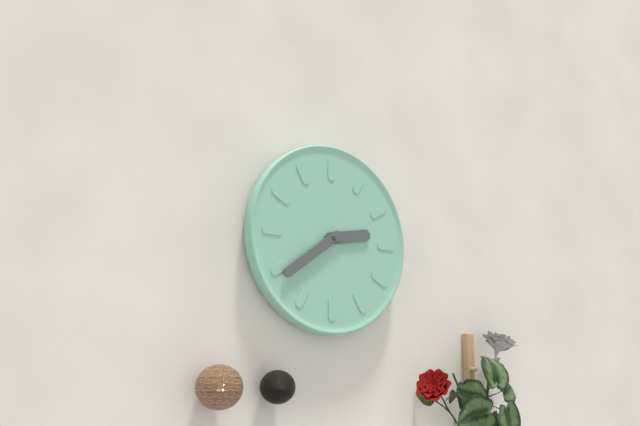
2:39
